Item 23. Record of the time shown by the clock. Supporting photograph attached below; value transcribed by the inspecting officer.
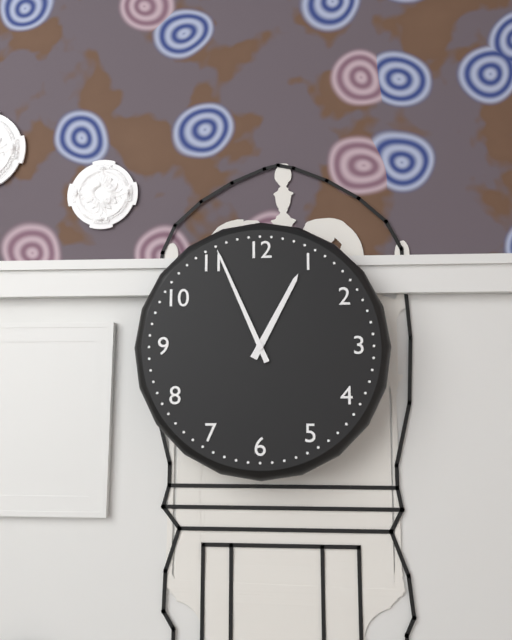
12:56
